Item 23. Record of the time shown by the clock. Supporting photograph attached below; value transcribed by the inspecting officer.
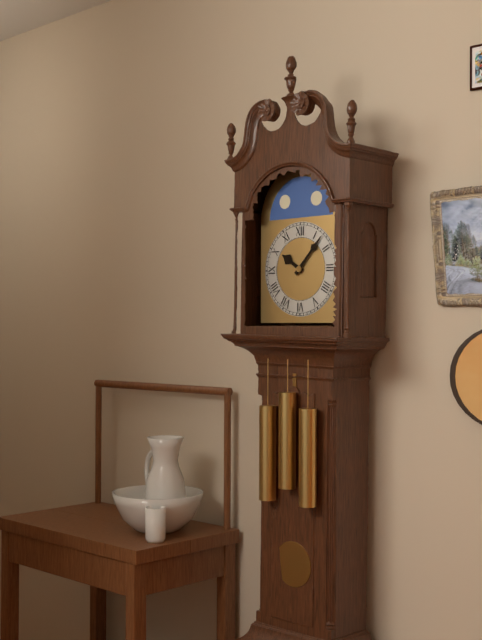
10:07
